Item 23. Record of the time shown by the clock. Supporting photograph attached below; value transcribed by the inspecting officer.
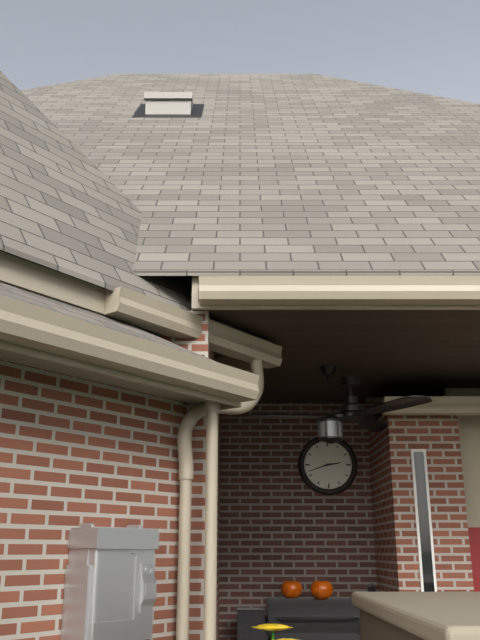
2:42
